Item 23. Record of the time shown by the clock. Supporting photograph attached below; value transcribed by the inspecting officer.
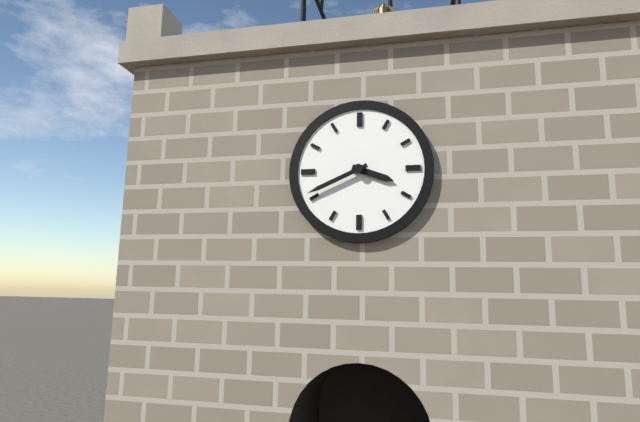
3:41
